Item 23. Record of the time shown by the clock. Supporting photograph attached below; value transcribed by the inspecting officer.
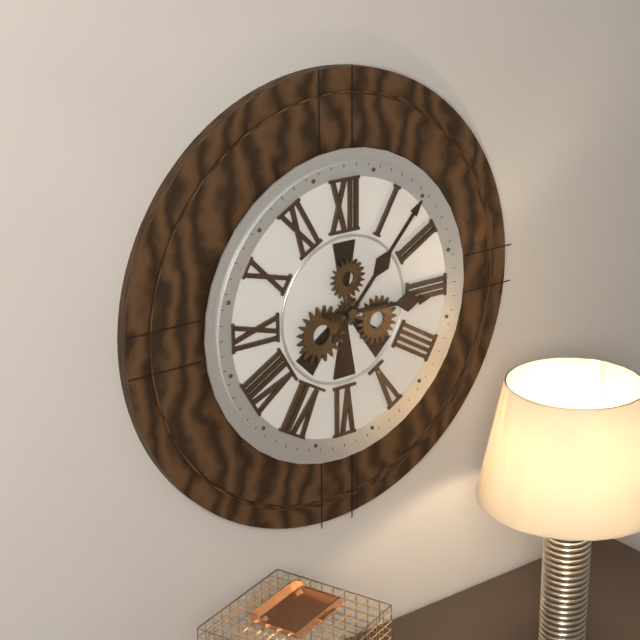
3:07
